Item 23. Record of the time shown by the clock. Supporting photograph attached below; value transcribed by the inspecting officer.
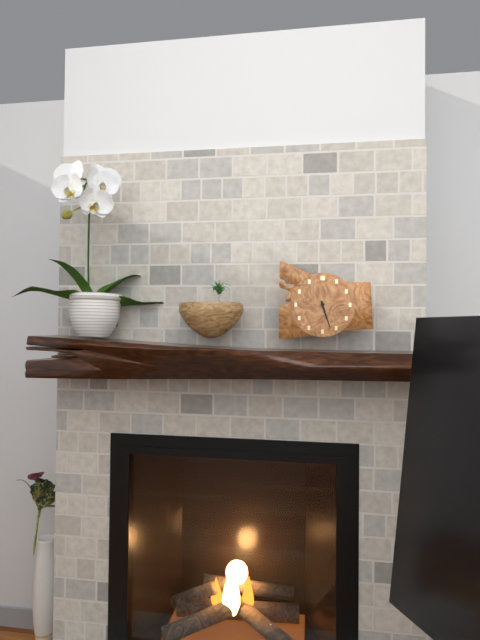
5:27
